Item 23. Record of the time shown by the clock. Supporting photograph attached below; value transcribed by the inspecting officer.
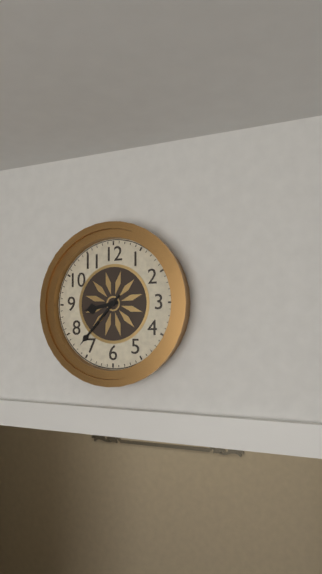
8:37
